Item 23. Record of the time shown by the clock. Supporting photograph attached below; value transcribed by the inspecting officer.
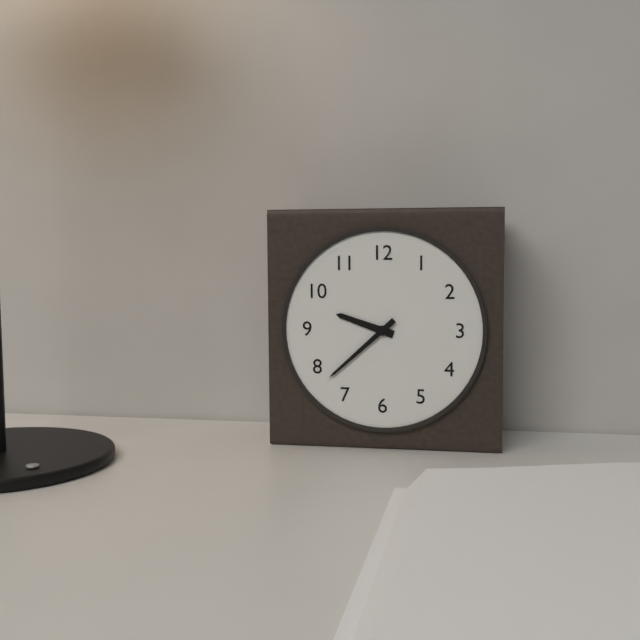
9:38
